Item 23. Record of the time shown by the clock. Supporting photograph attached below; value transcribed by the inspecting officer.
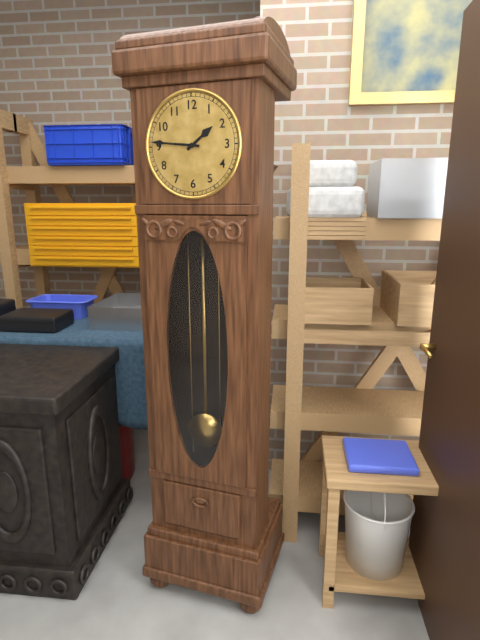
1:46
